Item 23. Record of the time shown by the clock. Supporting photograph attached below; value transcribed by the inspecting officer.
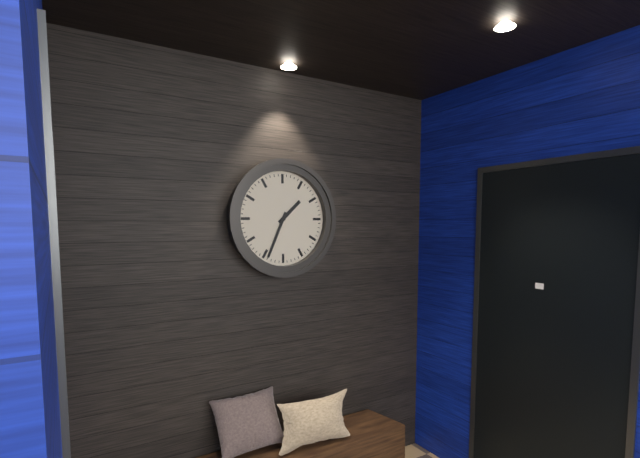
1:34
